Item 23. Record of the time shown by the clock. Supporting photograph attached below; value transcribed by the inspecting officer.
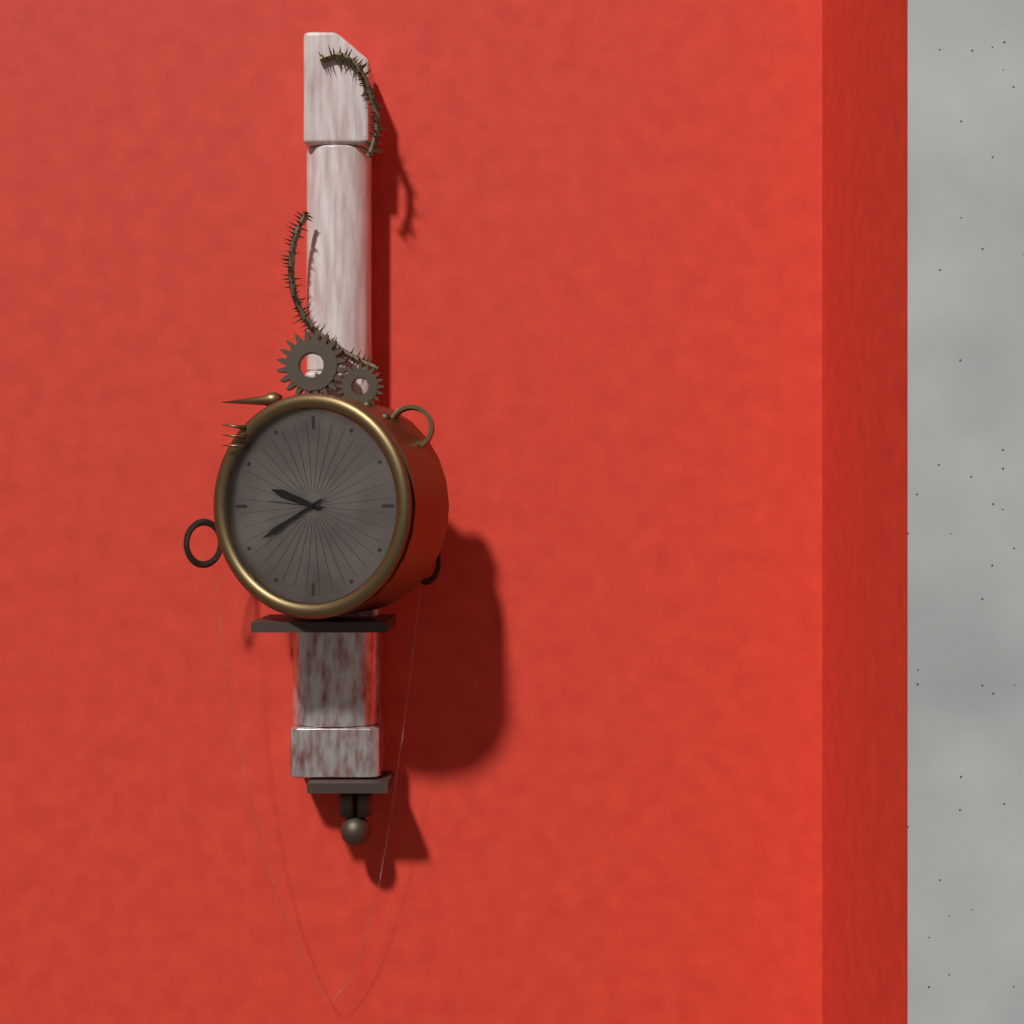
9:40:46
